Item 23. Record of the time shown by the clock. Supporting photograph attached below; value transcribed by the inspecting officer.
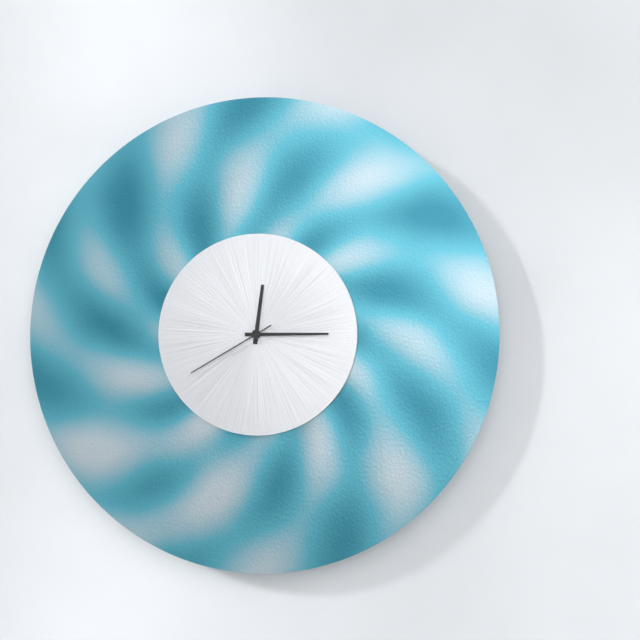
12:15:40
